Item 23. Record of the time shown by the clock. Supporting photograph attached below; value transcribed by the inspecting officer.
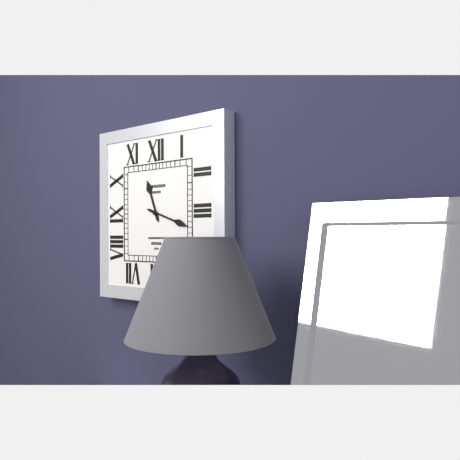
11:18
